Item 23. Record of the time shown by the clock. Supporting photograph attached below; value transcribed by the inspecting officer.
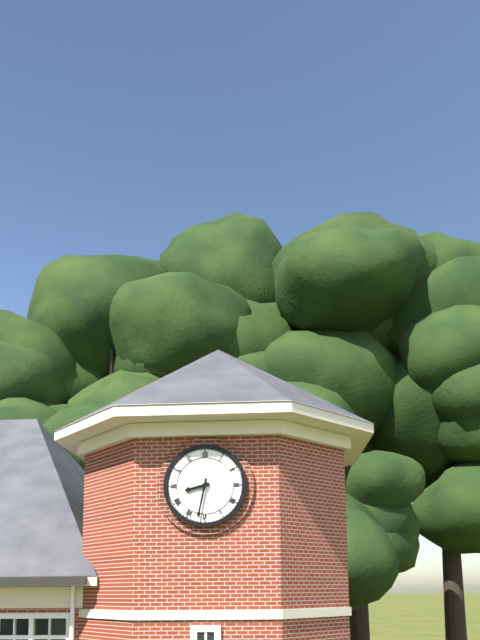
8:32
